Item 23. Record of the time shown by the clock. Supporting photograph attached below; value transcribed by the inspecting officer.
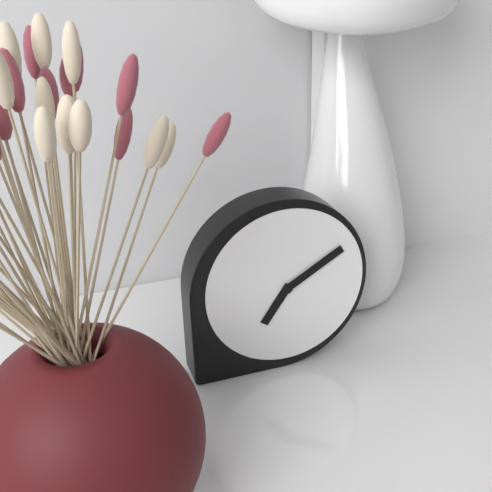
7:10
